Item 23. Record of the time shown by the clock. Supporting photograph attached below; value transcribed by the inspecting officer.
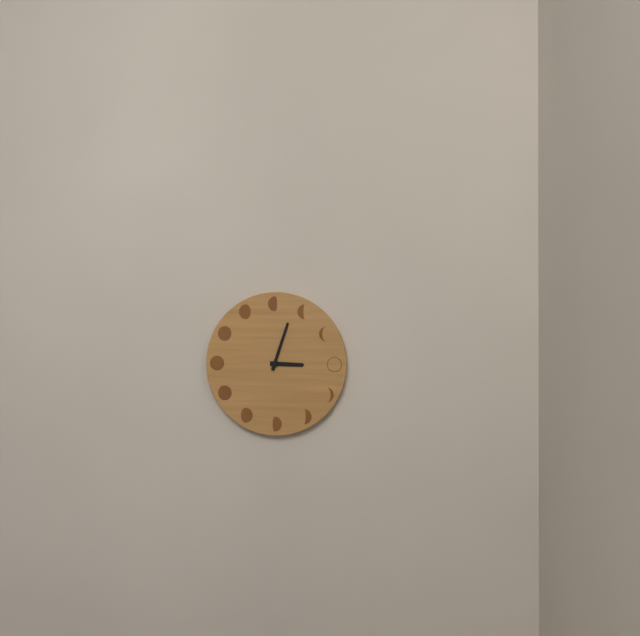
3:03
